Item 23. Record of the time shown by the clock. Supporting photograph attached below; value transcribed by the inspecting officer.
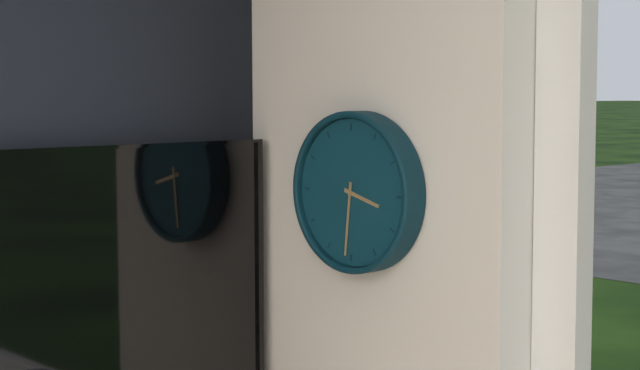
3:31
